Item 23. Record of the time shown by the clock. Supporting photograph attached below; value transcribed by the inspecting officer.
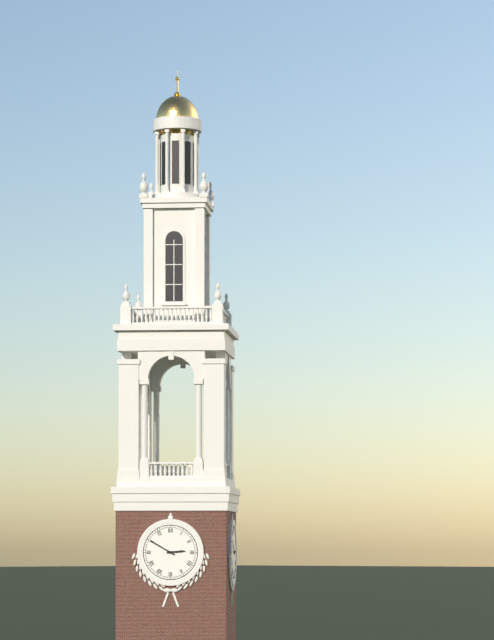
2:50
